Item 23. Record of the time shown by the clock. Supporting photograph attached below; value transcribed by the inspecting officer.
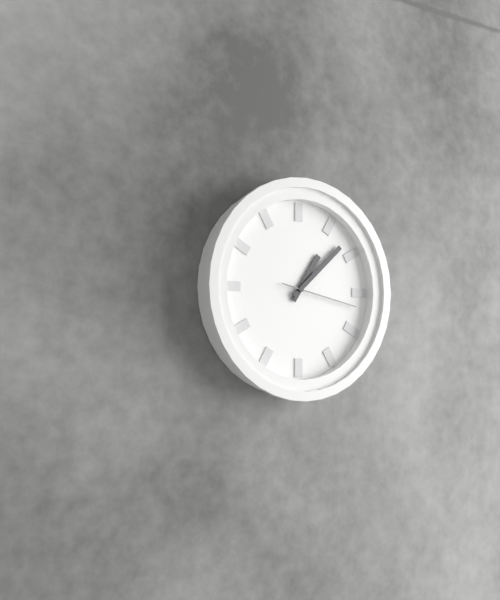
1:08:17
